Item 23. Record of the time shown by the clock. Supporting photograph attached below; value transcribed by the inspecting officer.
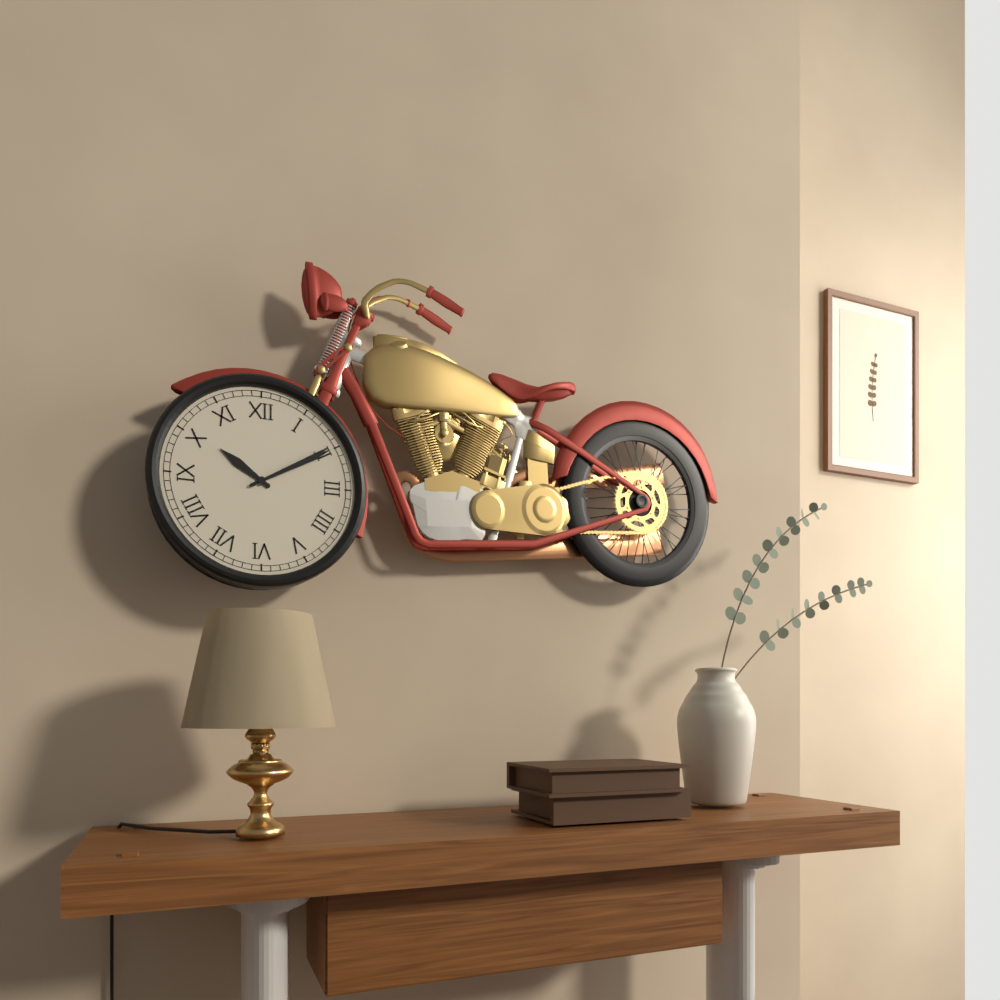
10:10
